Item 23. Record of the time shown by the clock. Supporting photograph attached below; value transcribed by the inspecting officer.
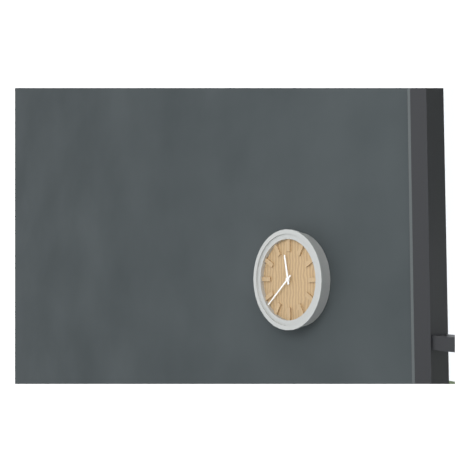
11:38
